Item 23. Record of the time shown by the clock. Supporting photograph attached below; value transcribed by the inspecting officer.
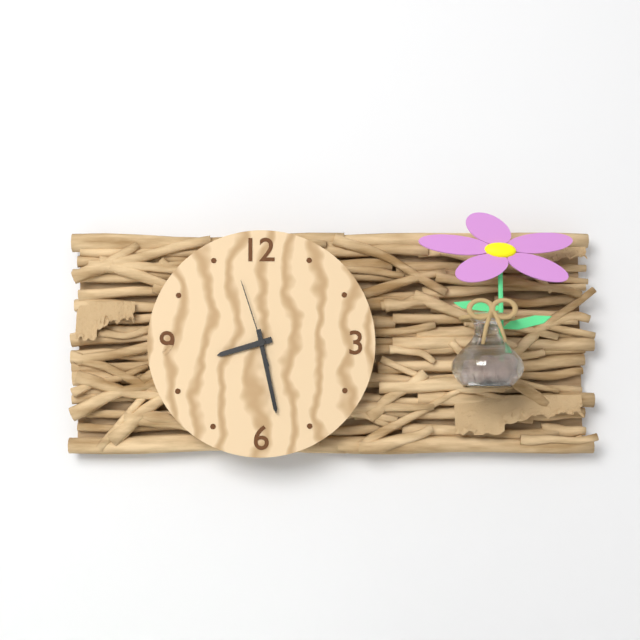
8:28:57
